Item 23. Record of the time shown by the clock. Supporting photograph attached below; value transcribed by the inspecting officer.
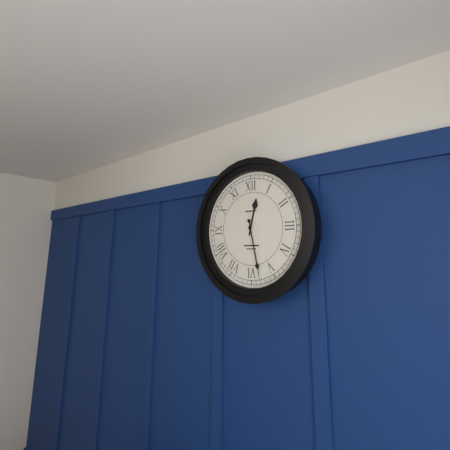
12:28
